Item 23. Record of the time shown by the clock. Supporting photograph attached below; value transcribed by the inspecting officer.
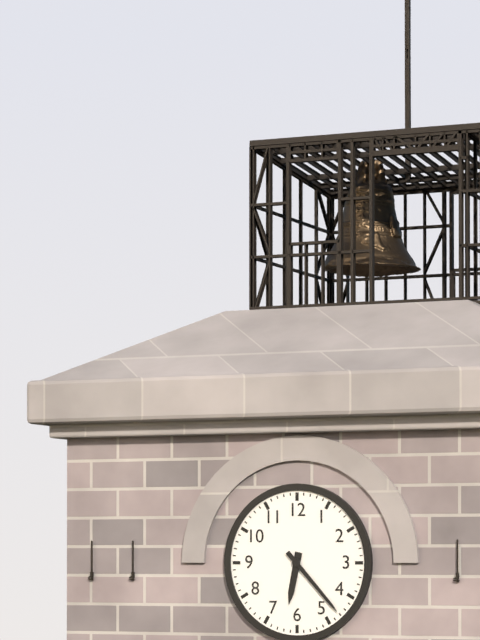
6:23
